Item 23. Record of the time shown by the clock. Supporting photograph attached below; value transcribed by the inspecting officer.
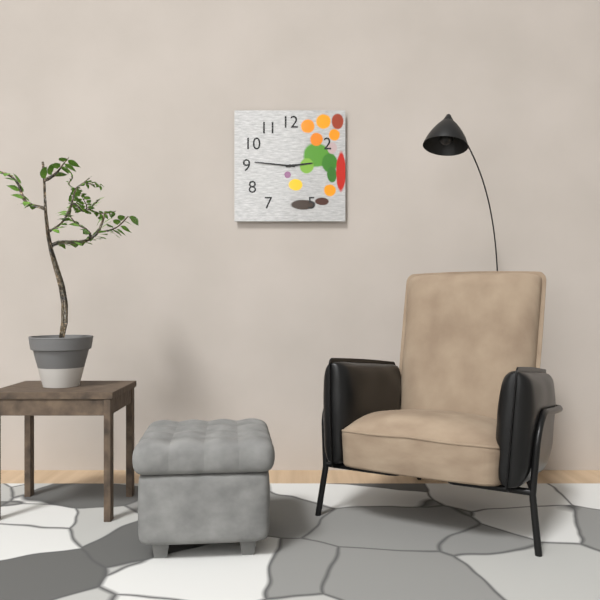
2:46
